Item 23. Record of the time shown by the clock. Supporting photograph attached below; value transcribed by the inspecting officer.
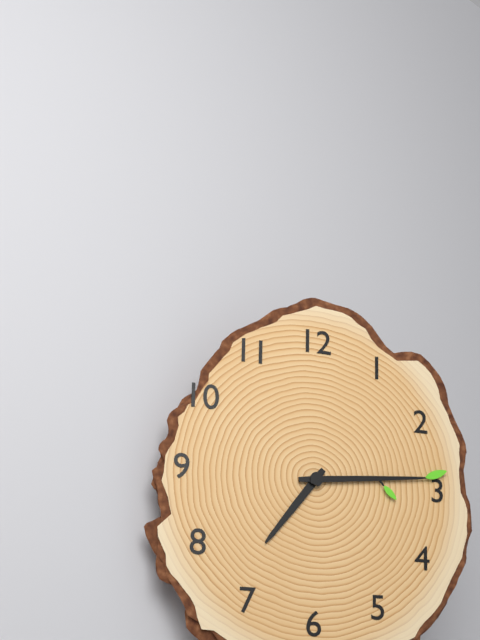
7:14
